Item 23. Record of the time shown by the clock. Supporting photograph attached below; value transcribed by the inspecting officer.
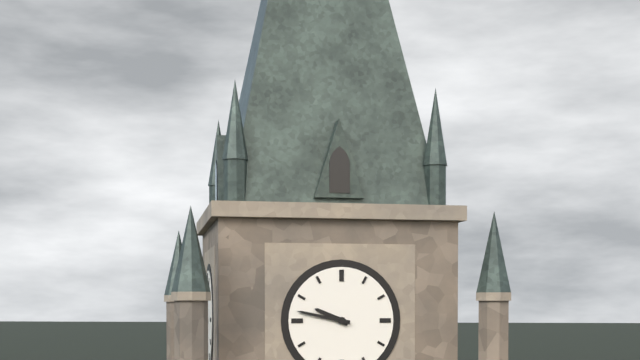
9:47
